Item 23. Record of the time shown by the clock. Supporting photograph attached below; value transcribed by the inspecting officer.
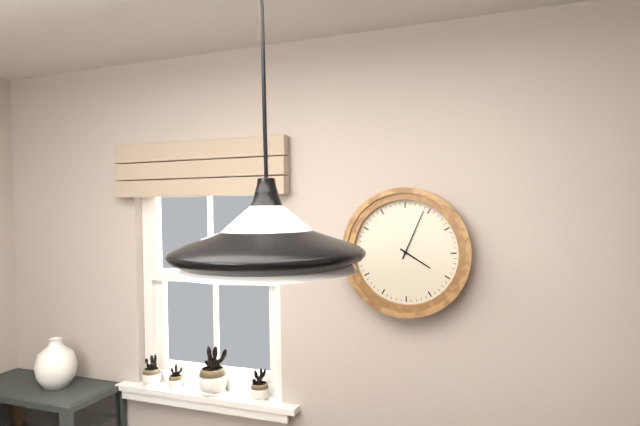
4:04
